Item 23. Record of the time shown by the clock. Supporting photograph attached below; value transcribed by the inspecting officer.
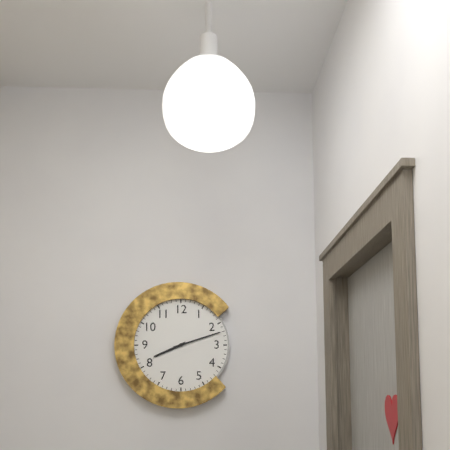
8:12
